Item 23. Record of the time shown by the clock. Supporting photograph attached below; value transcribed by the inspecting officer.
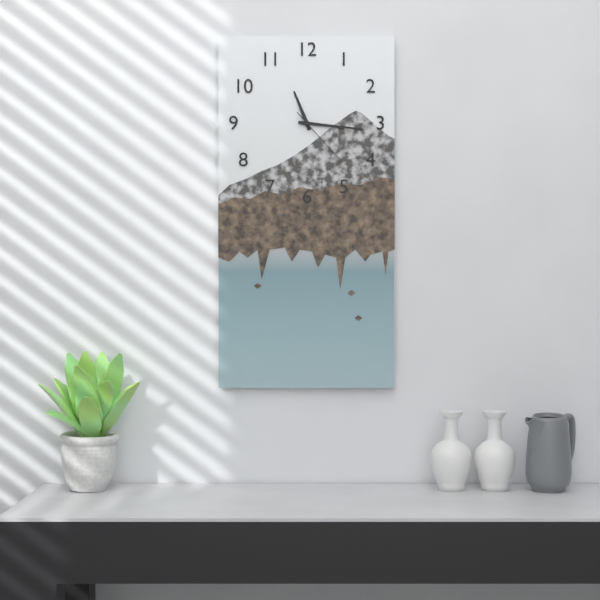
11:16:23
